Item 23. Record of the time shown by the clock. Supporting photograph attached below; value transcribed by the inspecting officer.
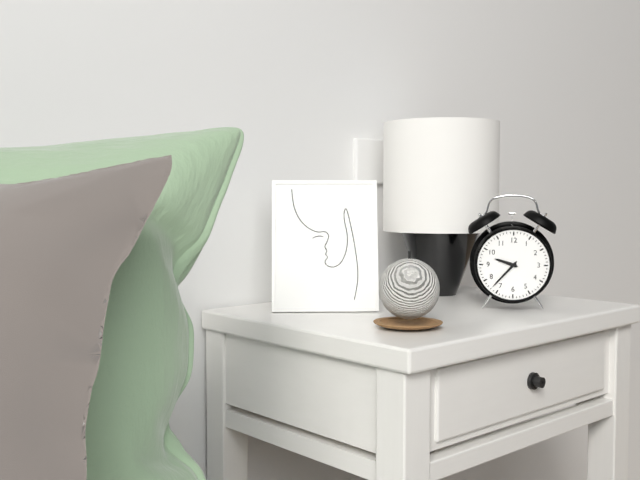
9:37
